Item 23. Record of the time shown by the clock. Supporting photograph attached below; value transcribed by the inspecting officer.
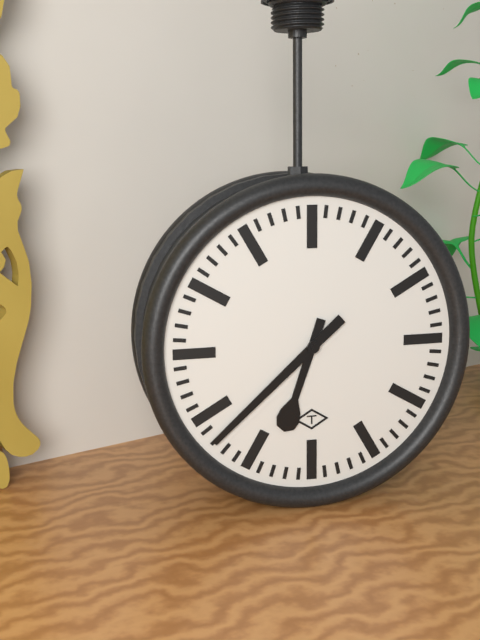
6:38
